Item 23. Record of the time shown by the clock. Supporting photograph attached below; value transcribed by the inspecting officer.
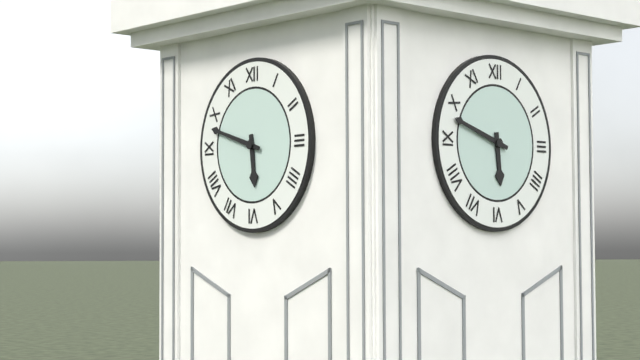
5:48
